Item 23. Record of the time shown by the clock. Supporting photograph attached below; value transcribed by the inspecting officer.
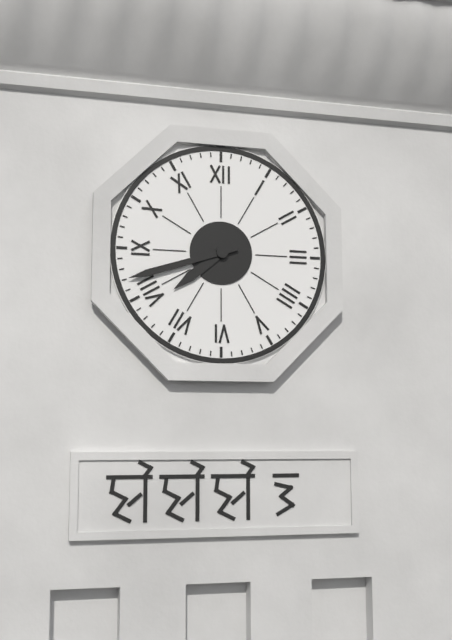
7:42
